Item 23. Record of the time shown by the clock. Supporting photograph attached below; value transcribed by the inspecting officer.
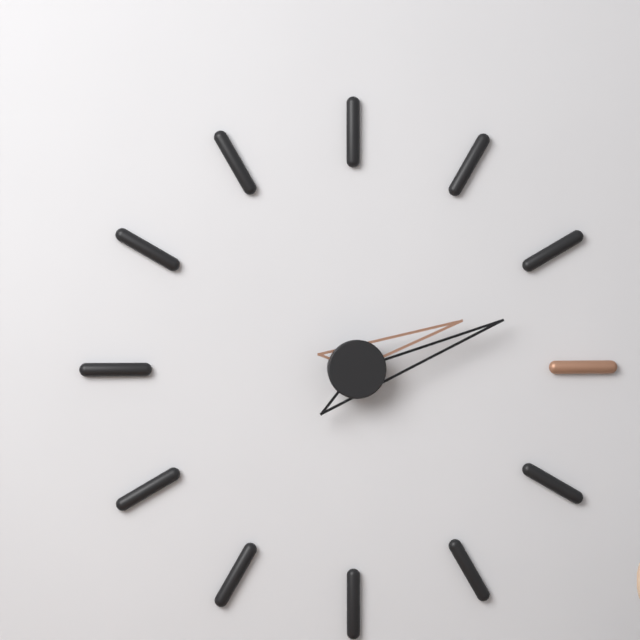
2:12
